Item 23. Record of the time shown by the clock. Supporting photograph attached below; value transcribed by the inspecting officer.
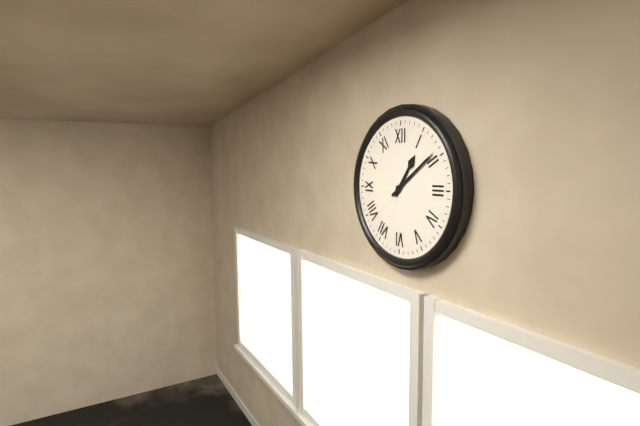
1:09
